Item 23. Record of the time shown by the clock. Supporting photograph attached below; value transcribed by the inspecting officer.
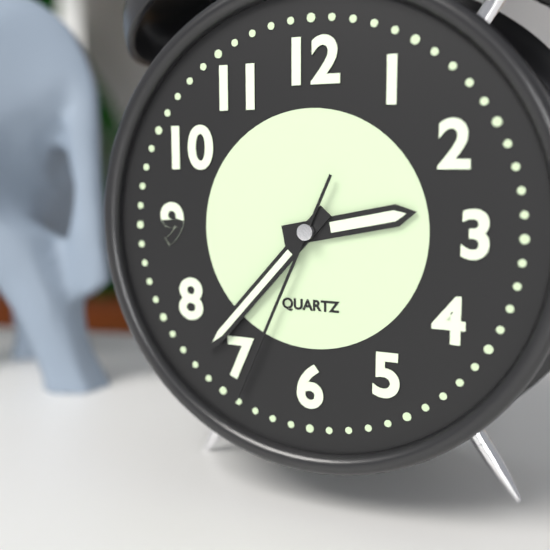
2:37:34
